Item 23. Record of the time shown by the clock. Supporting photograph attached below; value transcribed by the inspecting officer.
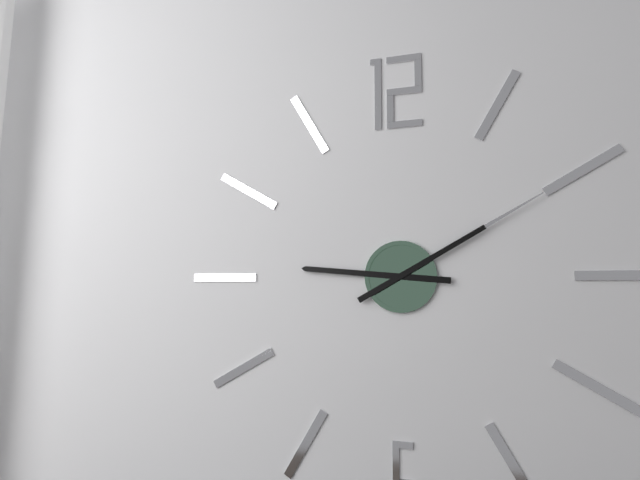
9:10
